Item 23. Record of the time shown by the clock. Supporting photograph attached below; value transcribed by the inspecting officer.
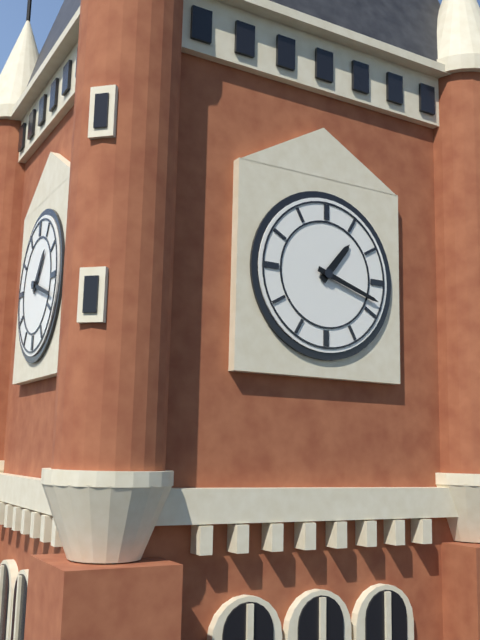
1:18
